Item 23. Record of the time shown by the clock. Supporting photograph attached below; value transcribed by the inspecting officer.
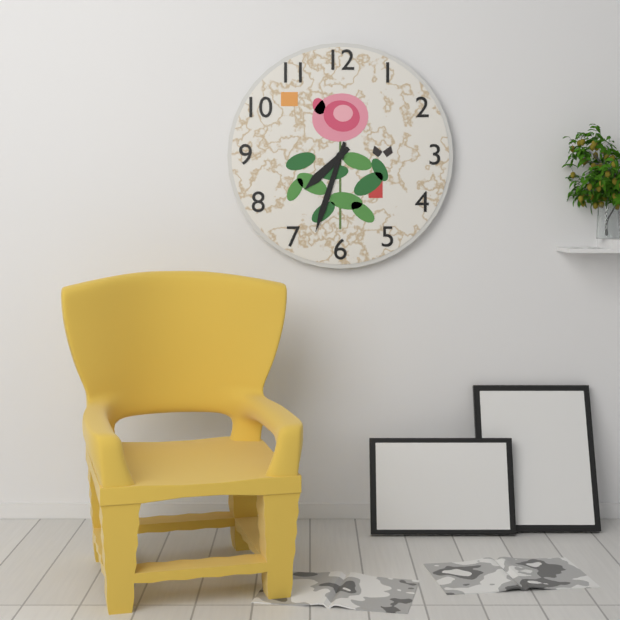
7:33
